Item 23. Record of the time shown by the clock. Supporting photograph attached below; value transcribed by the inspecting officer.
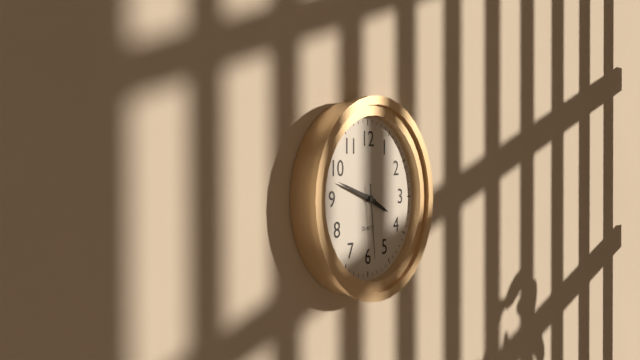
3:48:29
